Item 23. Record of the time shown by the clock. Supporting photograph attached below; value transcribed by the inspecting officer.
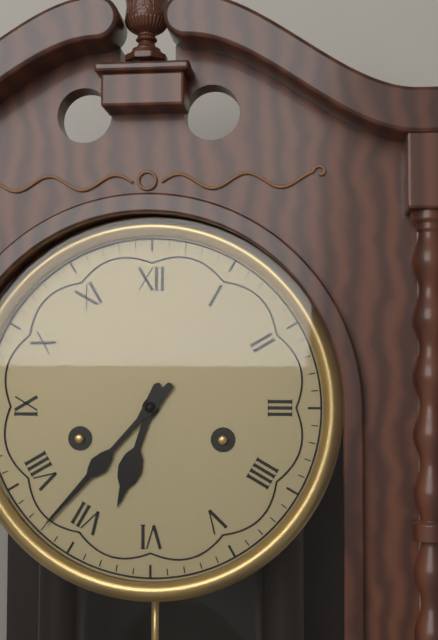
6:37
